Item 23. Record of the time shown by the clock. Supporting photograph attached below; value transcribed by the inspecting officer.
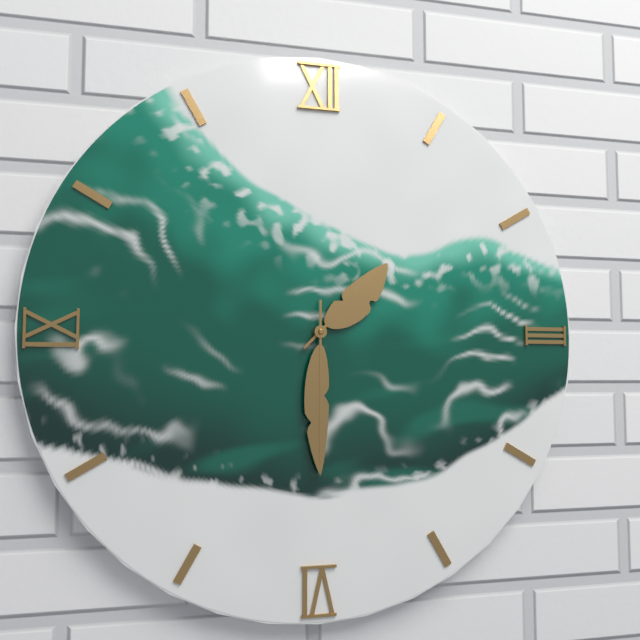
1:30
